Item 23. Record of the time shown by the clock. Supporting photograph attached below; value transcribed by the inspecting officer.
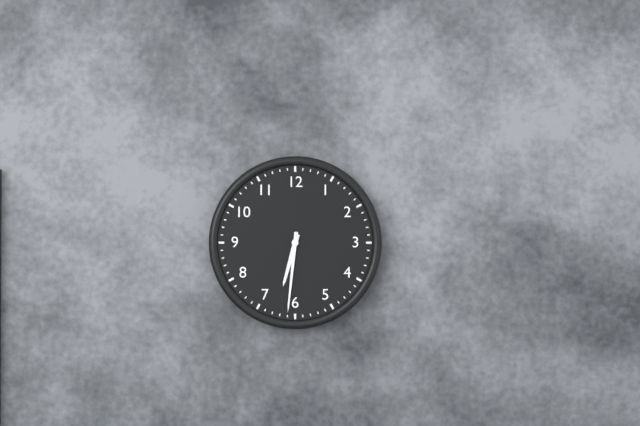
6:31
